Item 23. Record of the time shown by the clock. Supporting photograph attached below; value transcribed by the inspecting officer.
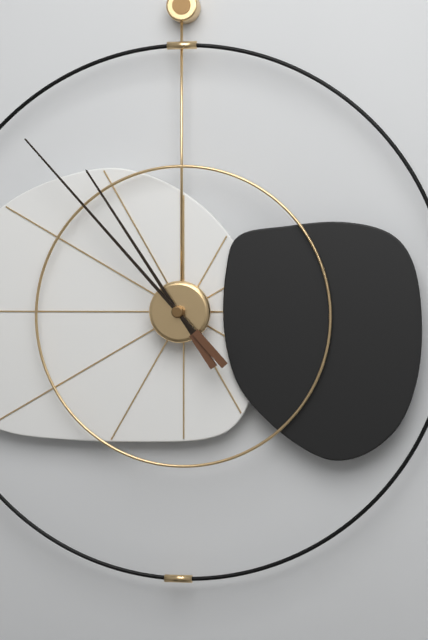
10:53
